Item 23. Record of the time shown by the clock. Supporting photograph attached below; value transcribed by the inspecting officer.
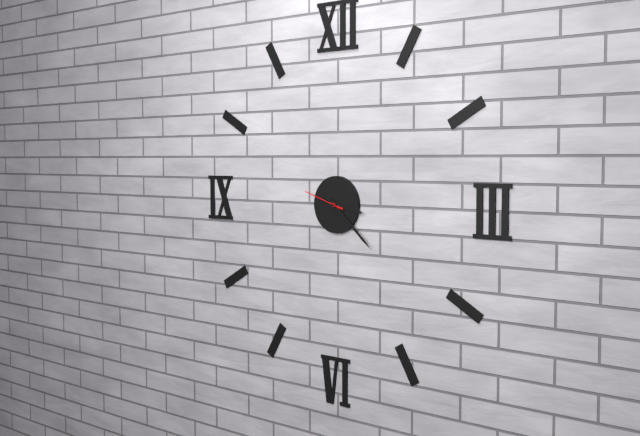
3:22
